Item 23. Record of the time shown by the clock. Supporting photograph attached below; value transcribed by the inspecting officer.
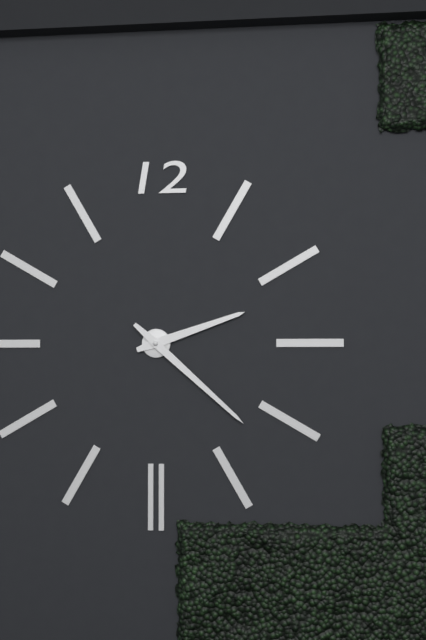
2:22
